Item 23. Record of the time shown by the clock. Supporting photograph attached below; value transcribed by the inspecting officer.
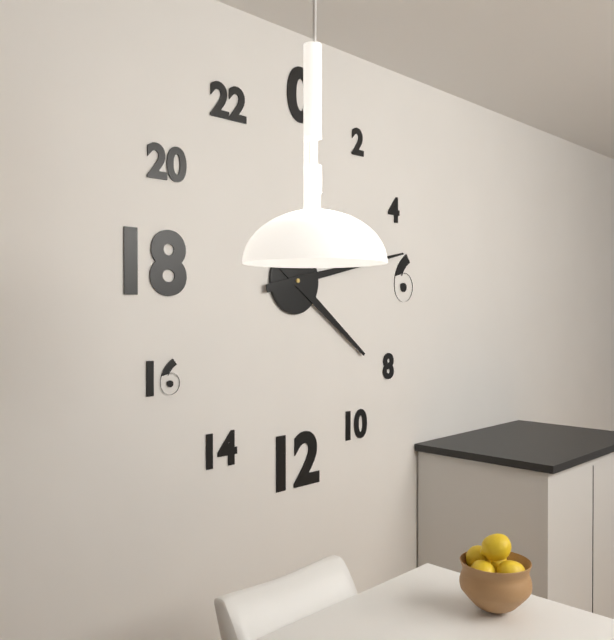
4:13
